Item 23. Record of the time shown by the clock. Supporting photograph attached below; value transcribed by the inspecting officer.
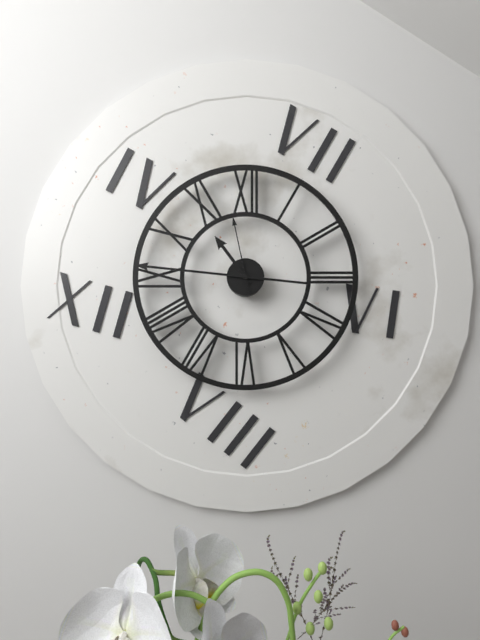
10:46:58
